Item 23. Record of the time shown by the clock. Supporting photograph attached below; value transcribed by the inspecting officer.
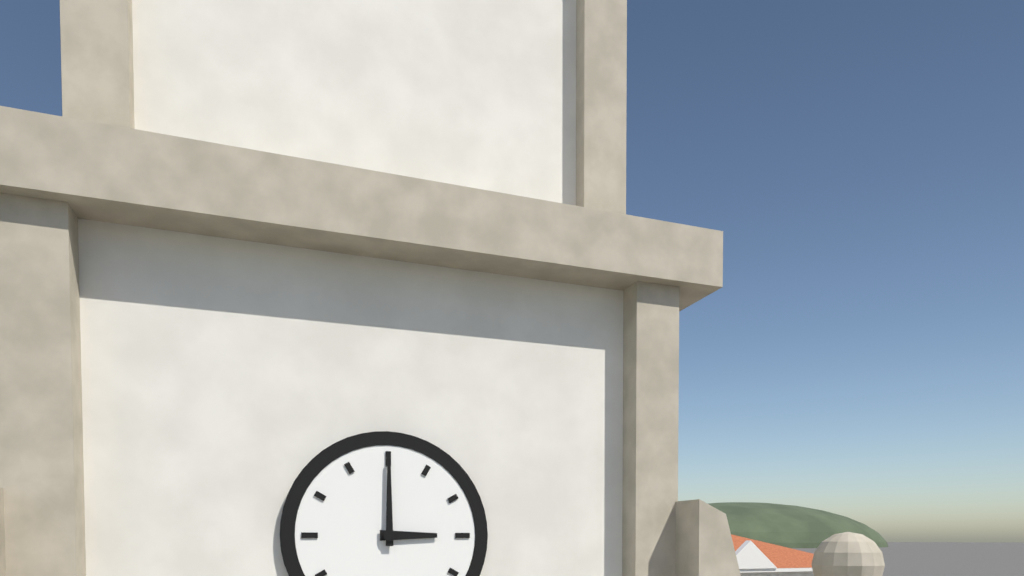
3:00
